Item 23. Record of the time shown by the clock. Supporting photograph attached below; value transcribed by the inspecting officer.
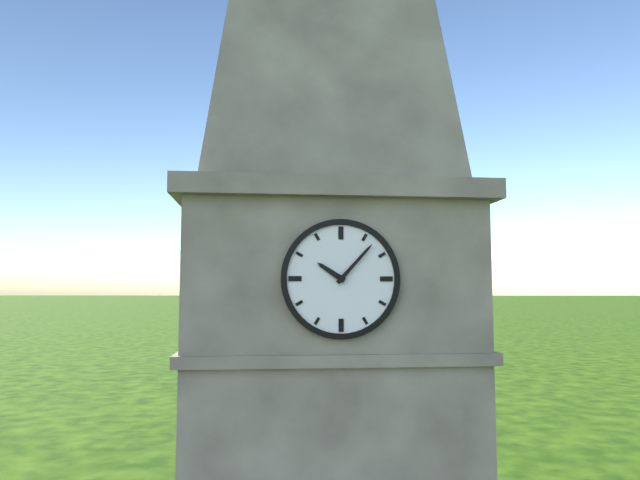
10:07
